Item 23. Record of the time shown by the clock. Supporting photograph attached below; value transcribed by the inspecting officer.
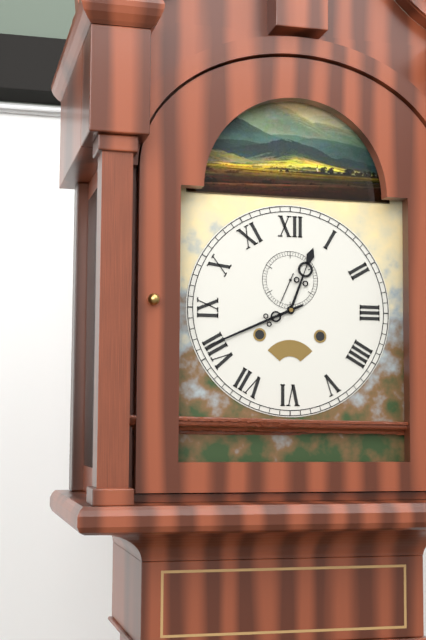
12:41
